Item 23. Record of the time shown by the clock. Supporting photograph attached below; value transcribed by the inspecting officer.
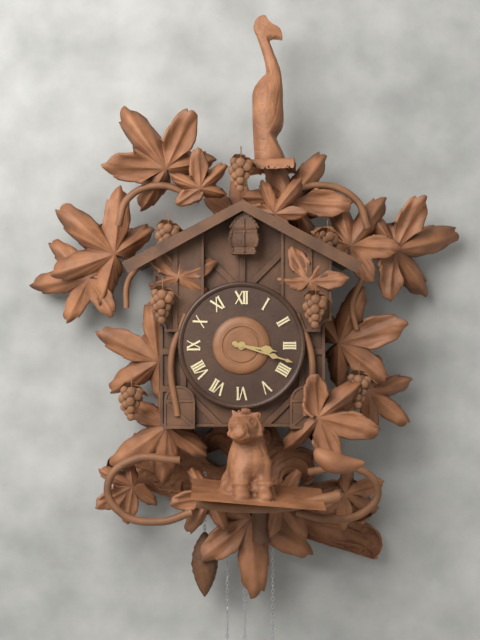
3:18
